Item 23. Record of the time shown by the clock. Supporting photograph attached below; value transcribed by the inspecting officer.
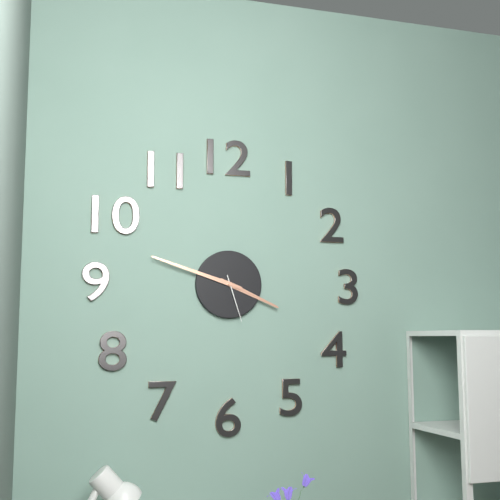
3:48:27
